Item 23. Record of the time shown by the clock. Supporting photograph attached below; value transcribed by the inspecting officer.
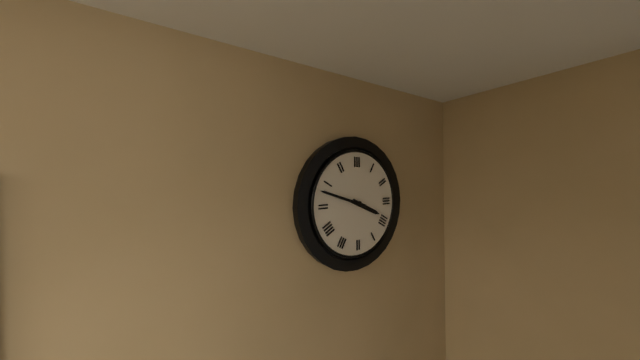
3:48
